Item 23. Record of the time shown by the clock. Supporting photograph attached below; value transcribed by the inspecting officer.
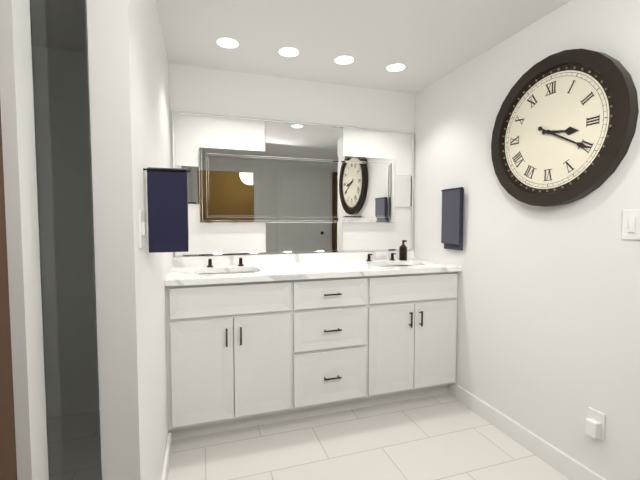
3:20
